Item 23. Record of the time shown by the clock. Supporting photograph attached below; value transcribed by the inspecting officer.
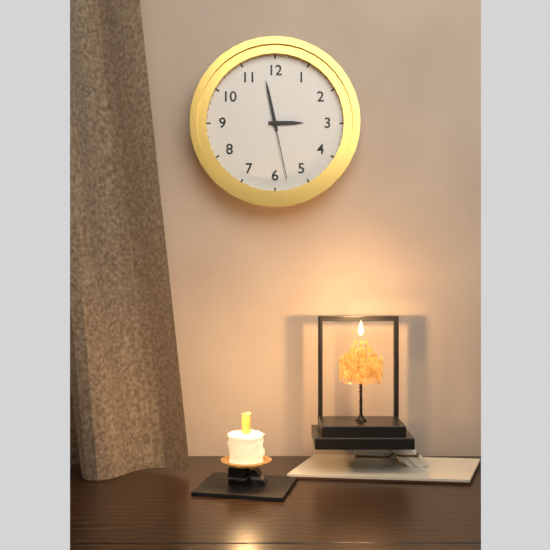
2:58:28
